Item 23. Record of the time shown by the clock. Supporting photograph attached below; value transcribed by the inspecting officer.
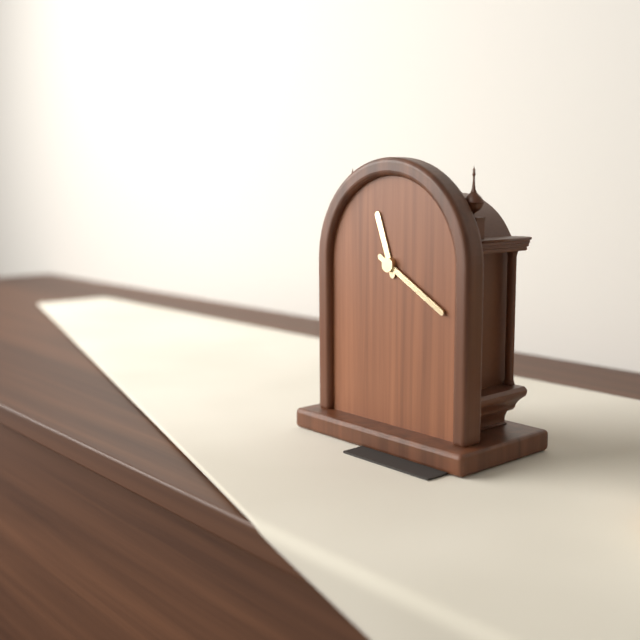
11:20
